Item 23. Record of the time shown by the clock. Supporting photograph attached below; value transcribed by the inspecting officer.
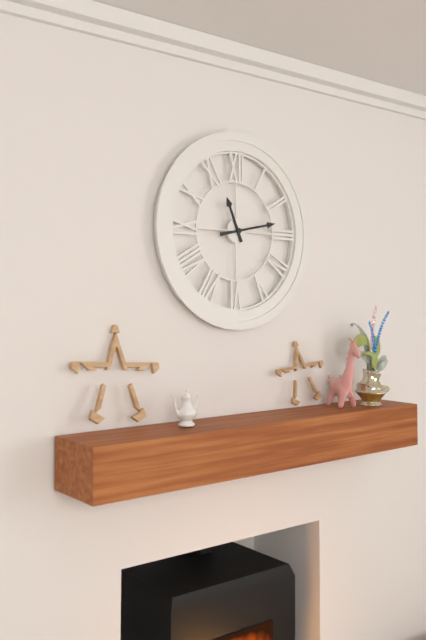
11:13
